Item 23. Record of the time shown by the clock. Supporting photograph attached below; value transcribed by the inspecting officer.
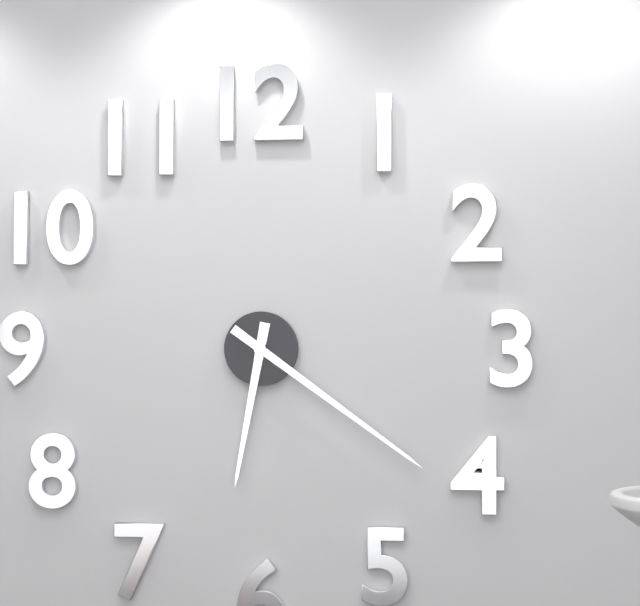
6:21
